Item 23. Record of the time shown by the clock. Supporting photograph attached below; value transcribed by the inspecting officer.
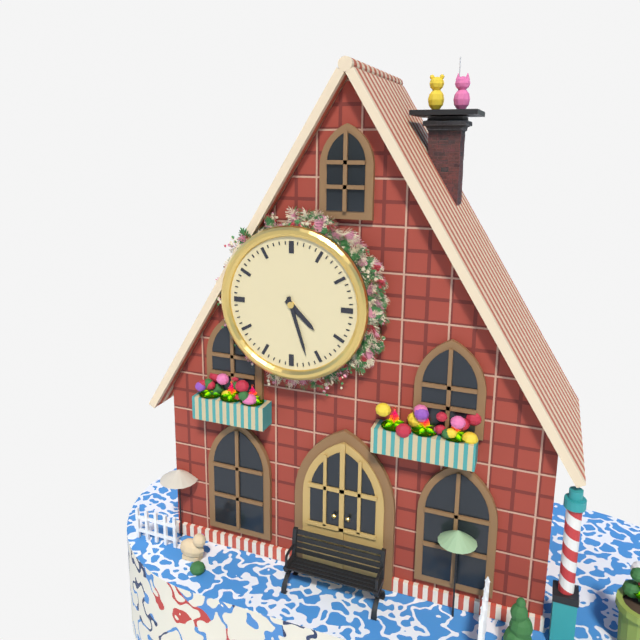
4:27
